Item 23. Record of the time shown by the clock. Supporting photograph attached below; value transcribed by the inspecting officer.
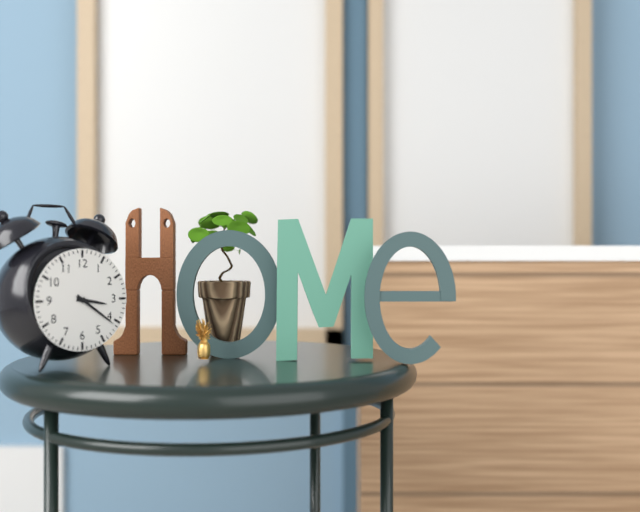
3:21
